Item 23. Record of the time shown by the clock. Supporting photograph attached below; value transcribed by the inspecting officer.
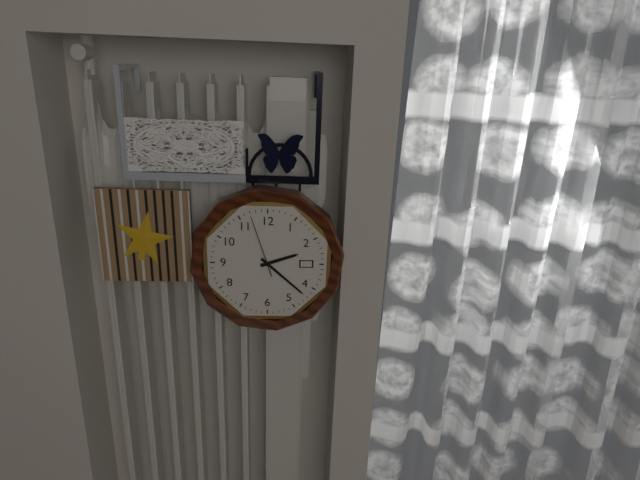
2:22:57
